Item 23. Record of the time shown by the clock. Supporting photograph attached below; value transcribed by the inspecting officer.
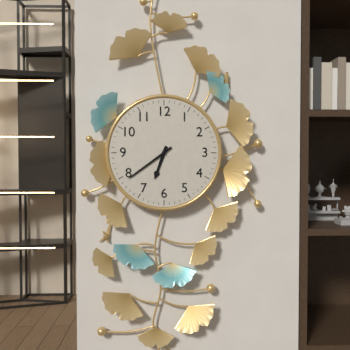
6:39
